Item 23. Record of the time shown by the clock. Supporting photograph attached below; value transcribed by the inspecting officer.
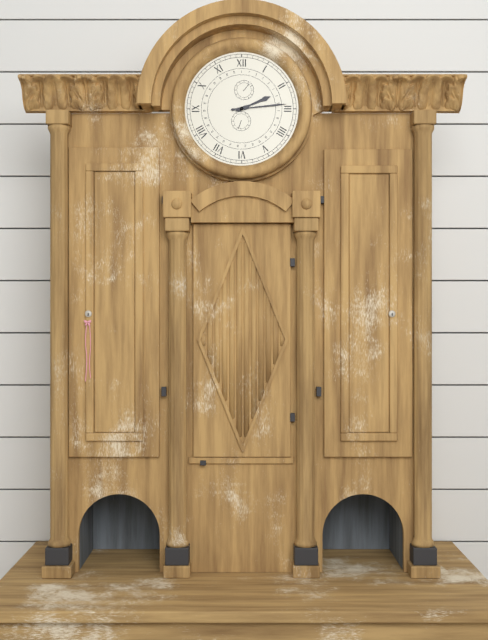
2:14
